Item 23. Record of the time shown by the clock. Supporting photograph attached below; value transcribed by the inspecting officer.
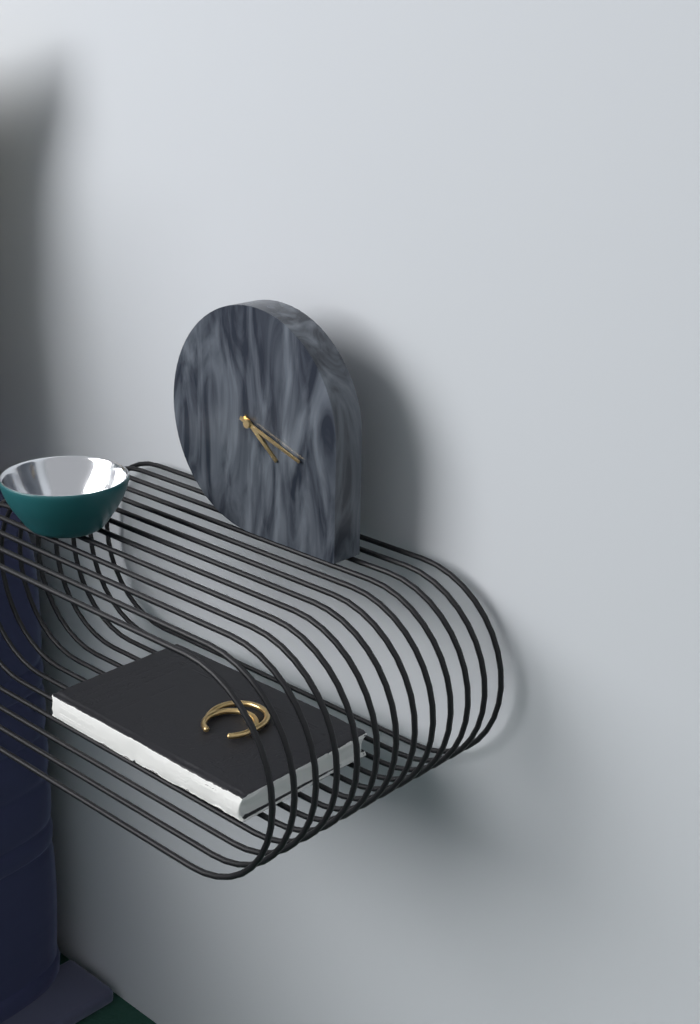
4:18
